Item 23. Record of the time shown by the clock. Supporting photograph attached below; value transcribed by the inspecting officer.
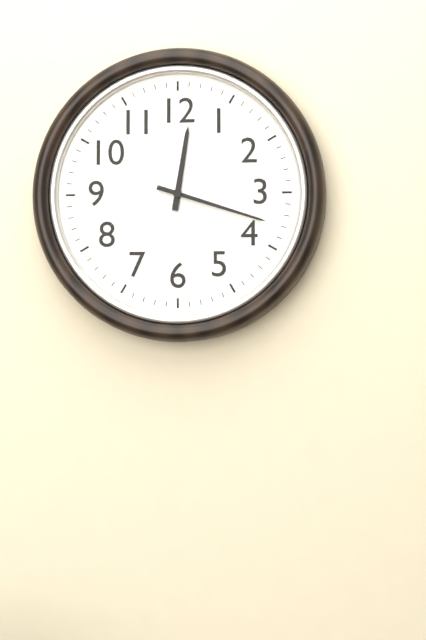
12:18
